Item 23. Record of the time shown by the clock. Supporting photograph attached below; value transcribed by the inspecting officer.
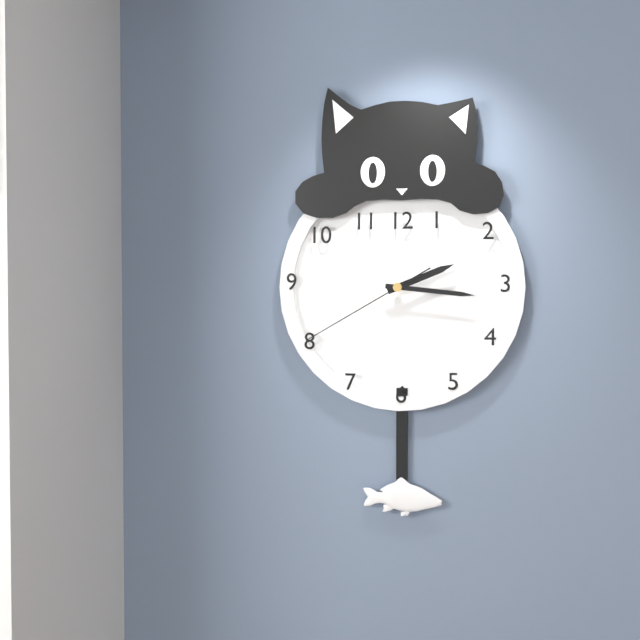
2:16:40
